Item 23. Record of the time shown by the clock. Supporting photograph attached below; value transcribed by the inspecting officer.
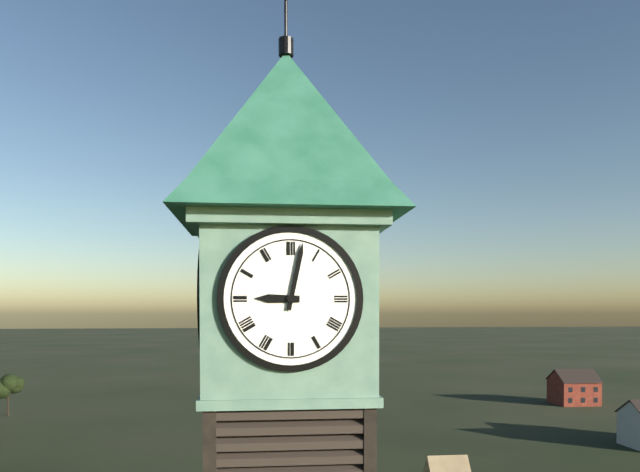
9:02
